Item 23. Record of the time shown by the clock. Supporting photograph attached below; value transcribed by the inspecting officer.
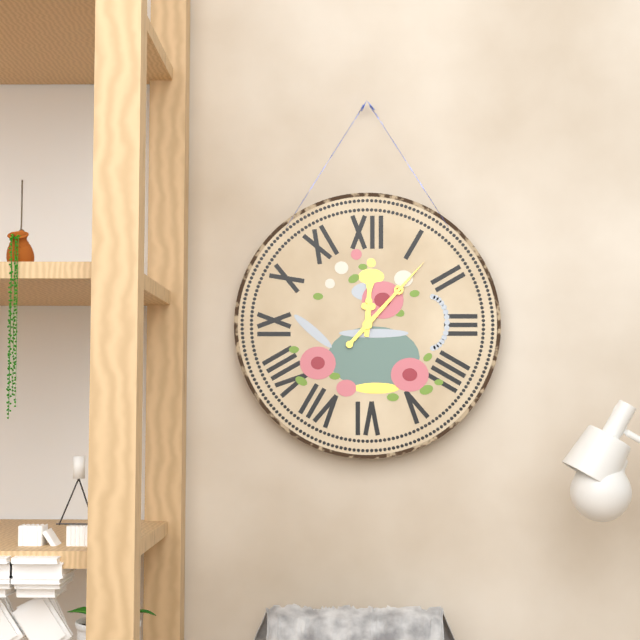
12:07
